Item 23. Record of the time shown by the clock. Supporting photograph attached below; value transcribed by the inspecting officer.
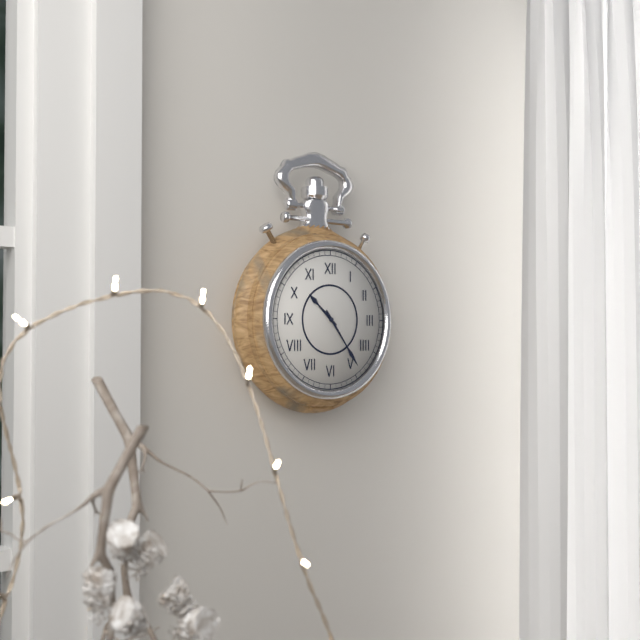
10:24
